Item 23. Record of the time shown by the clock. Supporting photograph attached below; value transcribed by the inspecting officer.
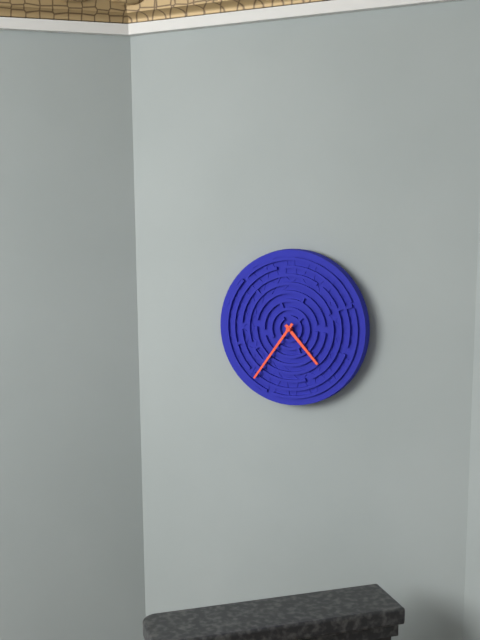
4:36
